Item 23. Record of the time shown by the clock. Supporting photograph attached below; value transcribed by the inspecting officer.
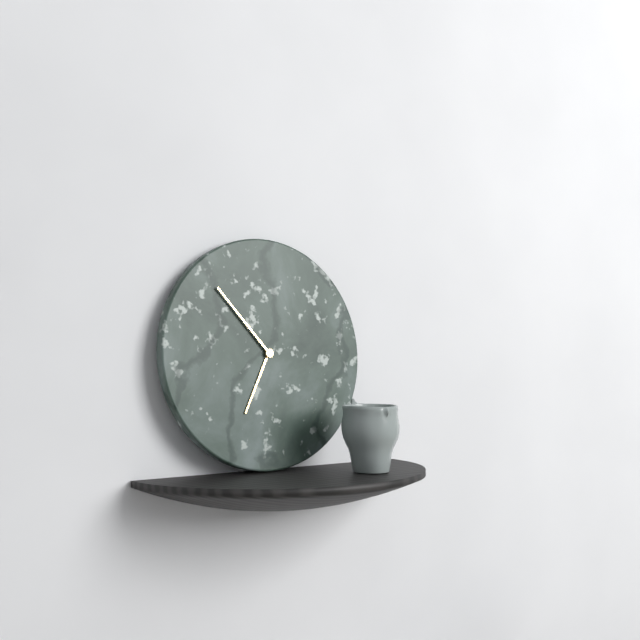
6:53
